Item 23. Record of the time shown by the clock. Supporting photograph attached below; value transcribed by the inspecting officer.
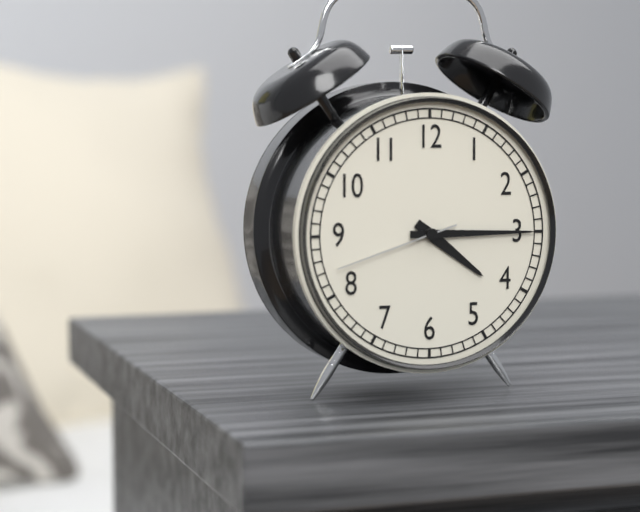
4:15:42
